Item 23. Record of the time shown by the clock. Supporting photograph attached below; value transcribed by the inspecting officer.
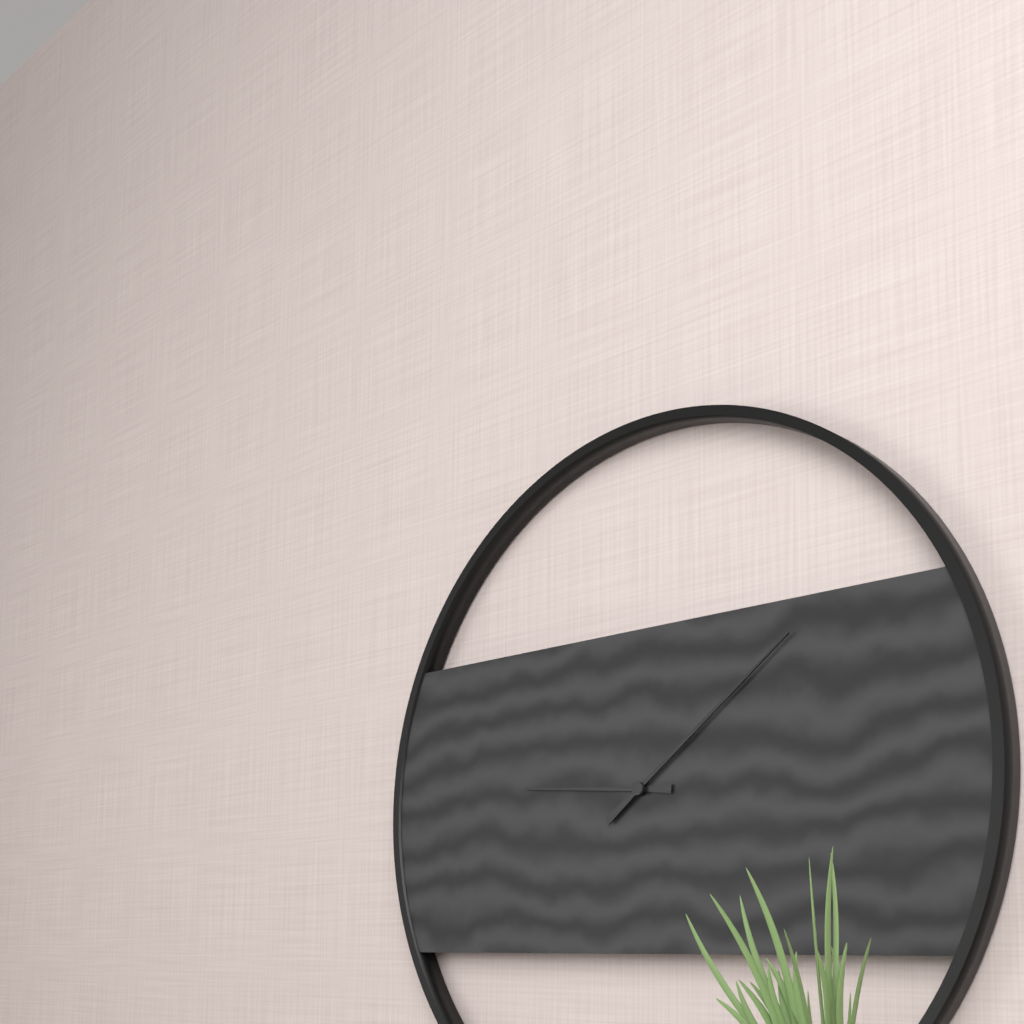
9:09
